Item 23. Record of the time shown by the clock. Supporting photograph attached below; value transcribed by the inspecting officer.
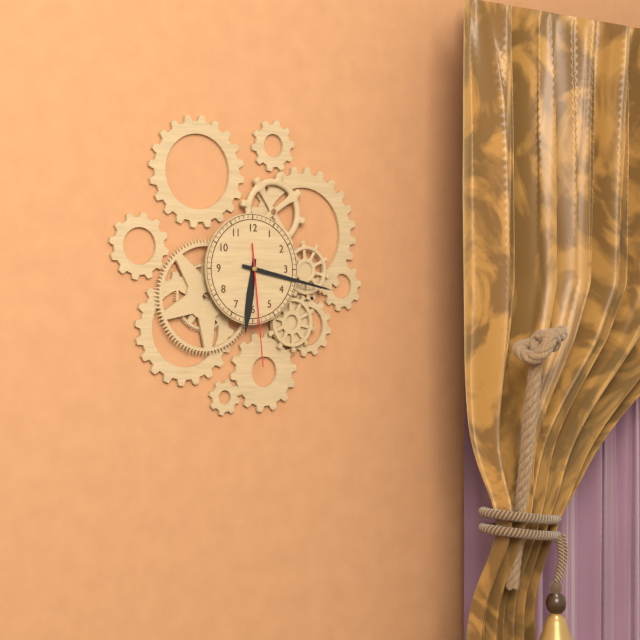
6:17:29
